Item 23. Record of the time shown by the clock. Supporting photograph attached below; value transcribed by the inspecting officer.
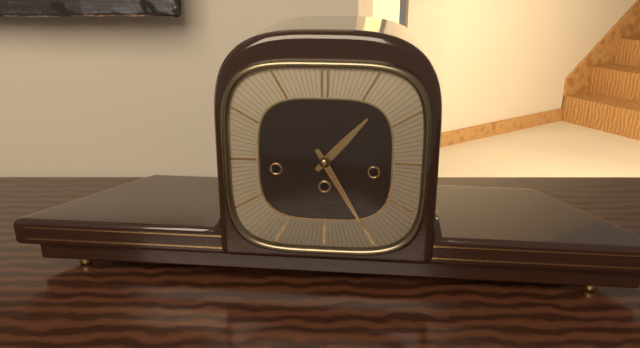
1:25
